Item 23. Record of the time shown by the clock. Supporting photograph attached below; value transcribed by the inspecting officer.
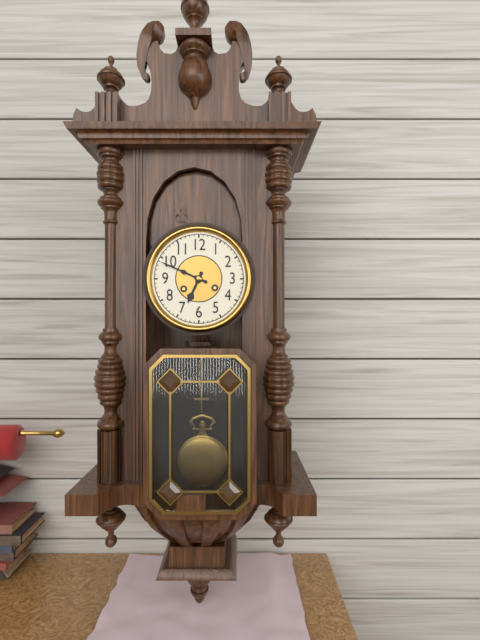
6:49
